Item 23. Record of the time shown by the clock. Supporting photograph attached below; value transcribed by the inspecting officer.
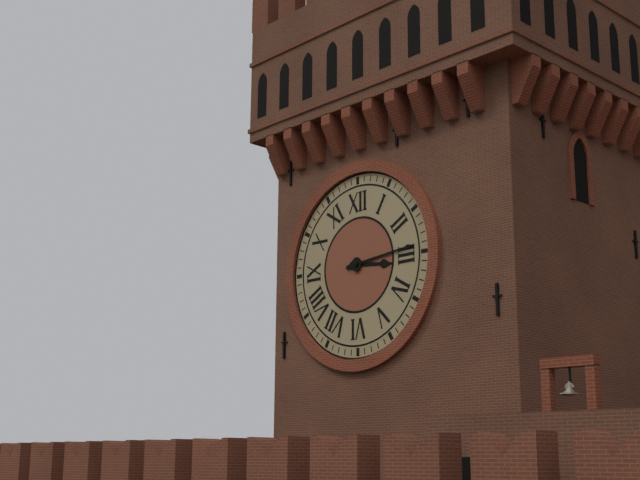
3:14
